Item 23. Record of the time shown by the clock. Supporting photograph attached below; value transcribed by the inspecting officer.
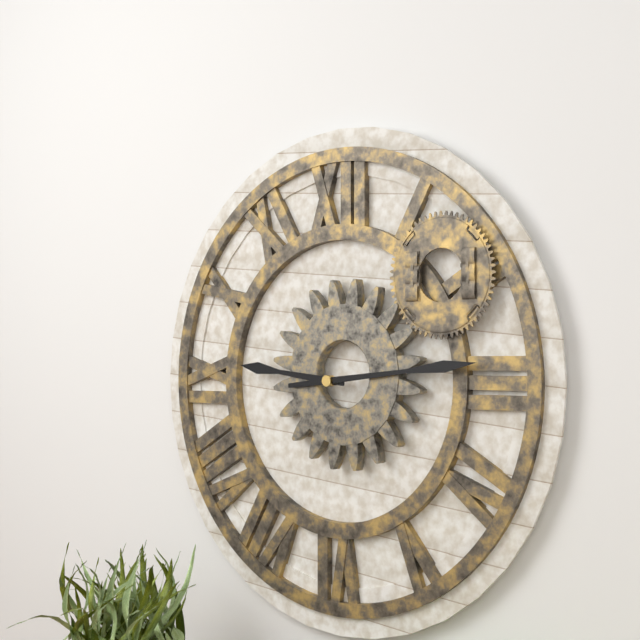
9:14
